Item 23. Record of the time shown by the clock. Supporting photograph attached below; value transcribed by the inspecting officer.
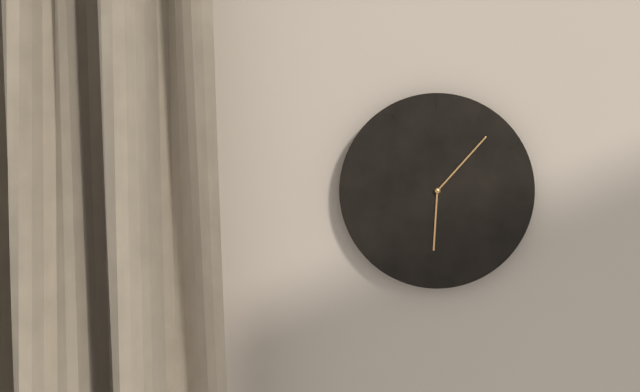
6:07
